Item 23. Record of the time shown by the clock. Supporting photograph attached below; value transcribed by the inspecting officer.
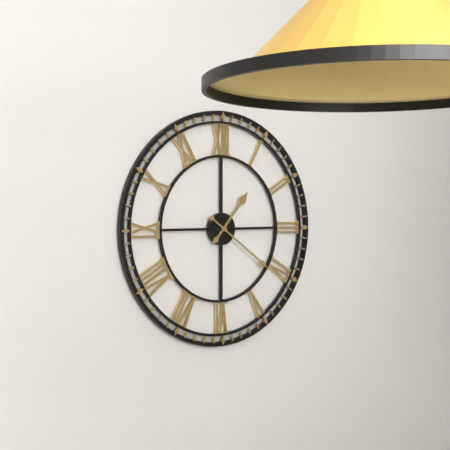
1:21
